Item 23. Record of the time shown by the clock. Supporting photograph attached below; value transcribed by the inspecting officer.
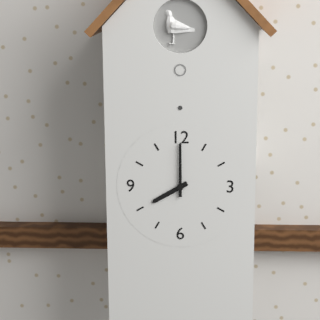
8:00
